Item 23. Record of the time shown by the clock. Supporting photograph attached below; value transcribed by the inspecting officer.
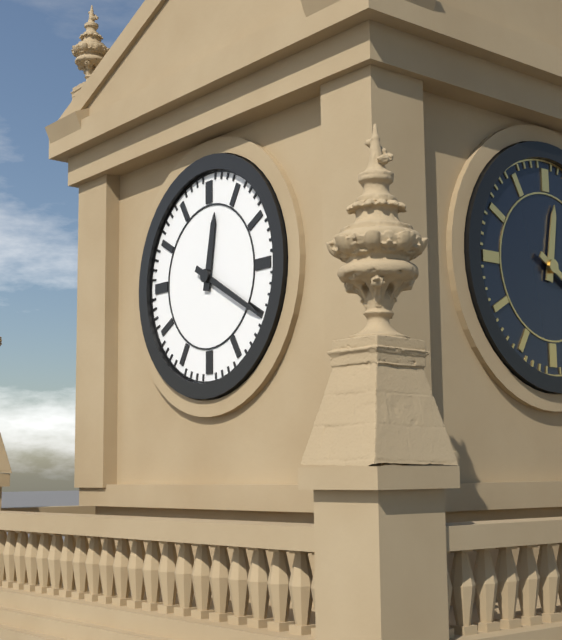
12:20
